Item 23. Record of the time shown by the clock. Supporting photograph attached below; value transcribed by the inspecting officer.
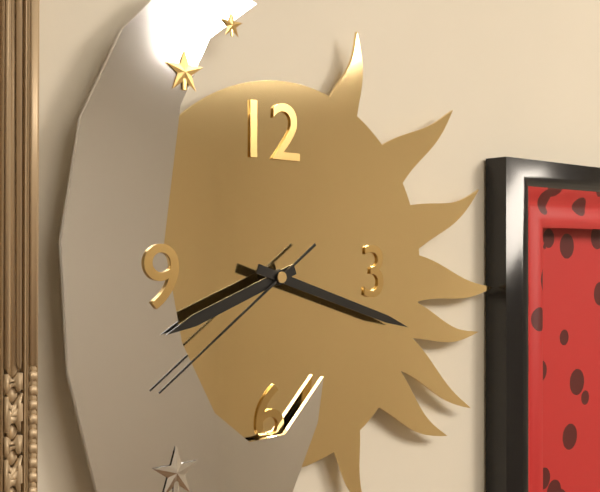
8:18:39
